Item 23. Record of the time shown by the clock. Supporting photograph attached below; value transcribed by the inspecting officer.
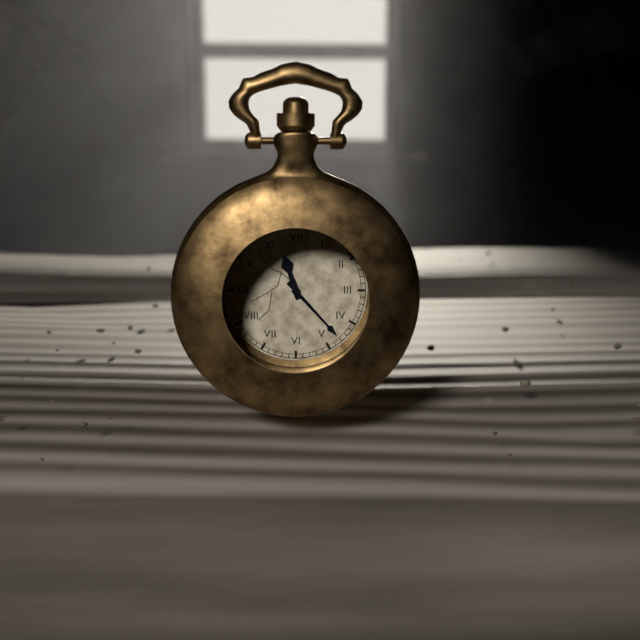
11:23
